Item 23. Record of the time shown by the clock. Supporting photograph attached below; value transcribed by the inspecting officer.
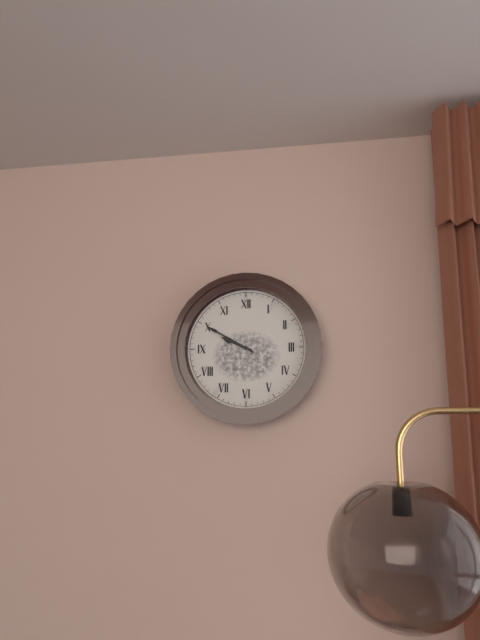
9:50
